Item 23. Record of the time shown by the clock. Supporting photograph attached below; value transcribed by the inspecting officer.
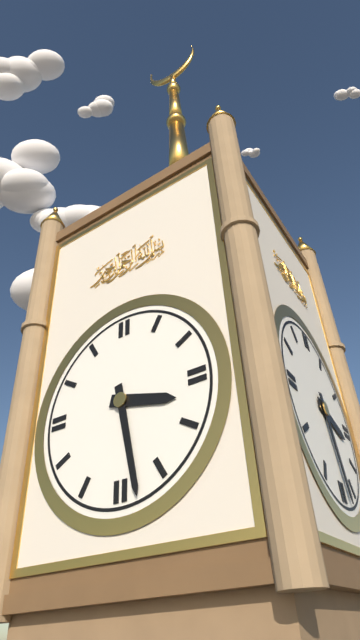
3:28
